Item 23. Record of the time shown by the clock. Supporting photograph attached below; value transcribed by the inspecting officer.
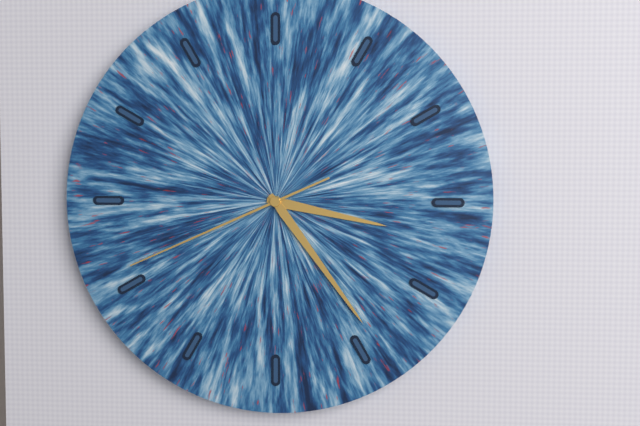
3:24:41
